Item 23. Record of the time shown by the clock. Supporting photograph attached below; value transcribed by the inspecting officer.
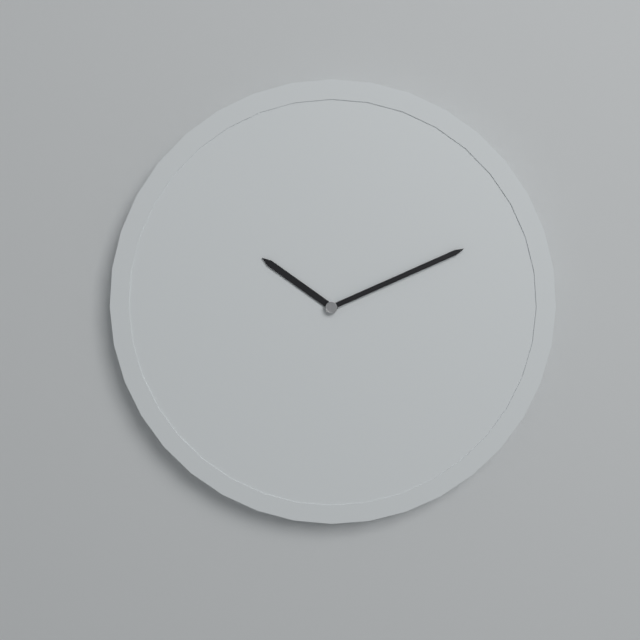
10:11
